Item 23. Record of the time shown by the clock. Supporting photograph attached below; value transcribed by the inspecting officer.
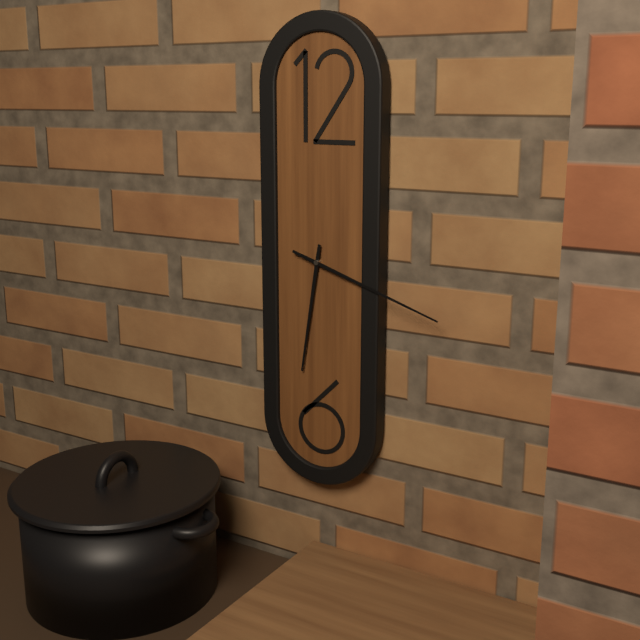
6:18
